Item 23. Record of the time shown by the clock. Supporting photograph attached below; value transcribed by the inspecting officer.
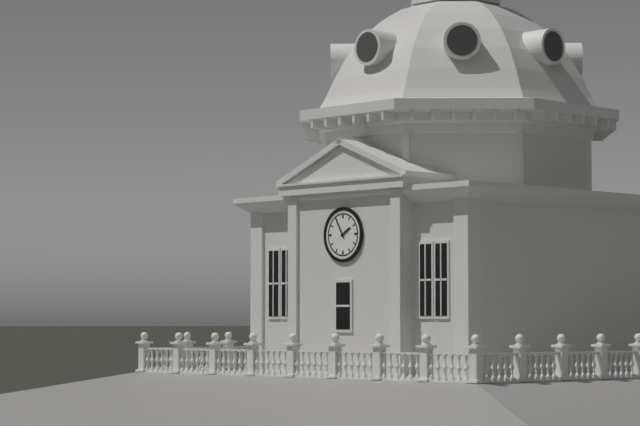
1:55
